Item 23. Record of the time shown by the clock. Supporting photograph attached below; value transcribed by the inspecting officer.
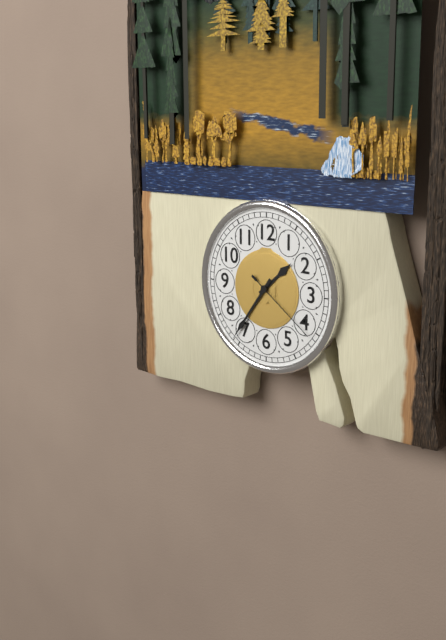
1:36:21
